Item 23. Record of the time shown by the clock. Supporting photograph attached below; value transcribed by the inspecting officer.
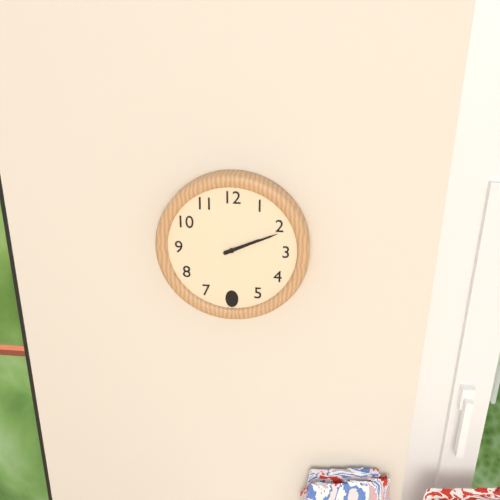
2:11
